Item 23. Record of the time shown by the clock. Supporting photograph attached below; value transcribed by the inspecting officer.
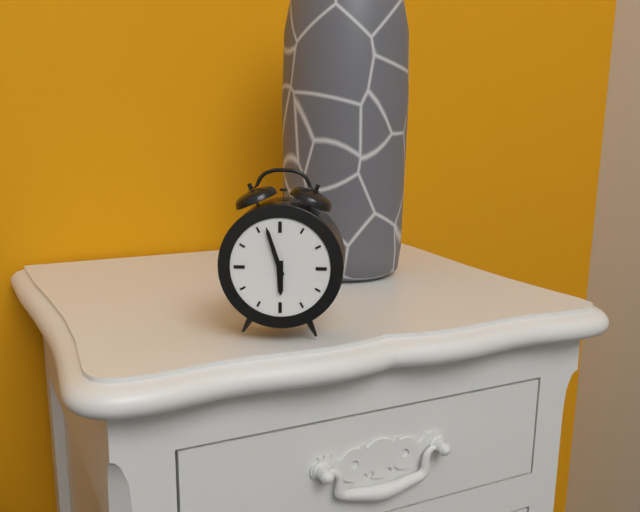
5:57
